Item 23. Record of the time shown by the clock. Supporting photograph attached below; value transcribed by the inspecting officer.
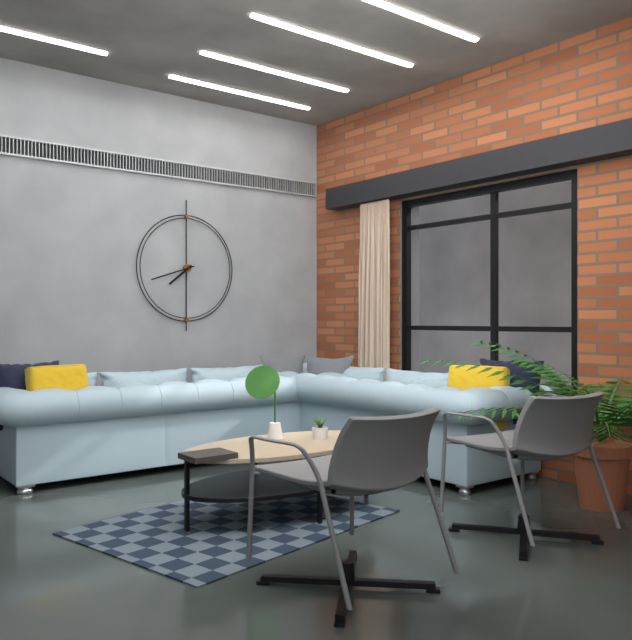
7:42
